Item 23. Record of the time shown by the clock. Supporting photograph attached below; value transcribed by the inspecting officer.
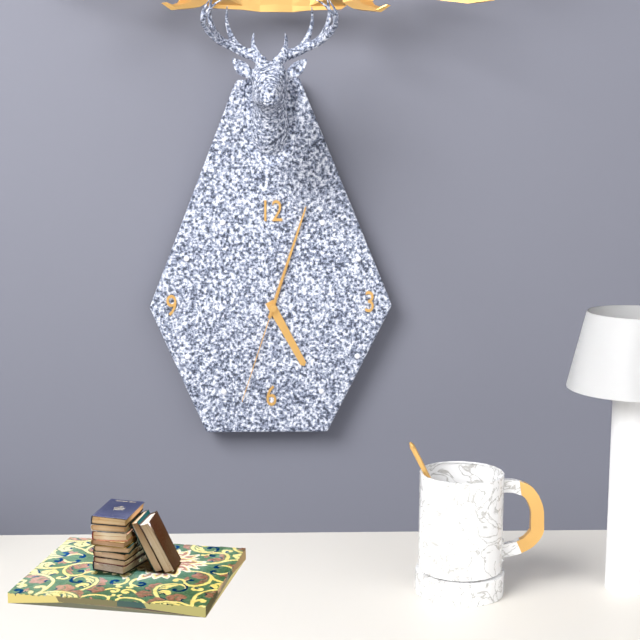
5:03:33
